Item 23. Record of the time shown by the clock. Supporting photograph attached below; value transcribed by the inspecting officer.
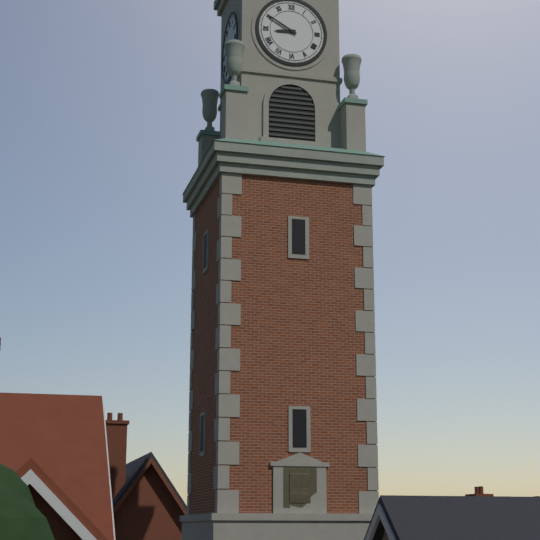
8:50
